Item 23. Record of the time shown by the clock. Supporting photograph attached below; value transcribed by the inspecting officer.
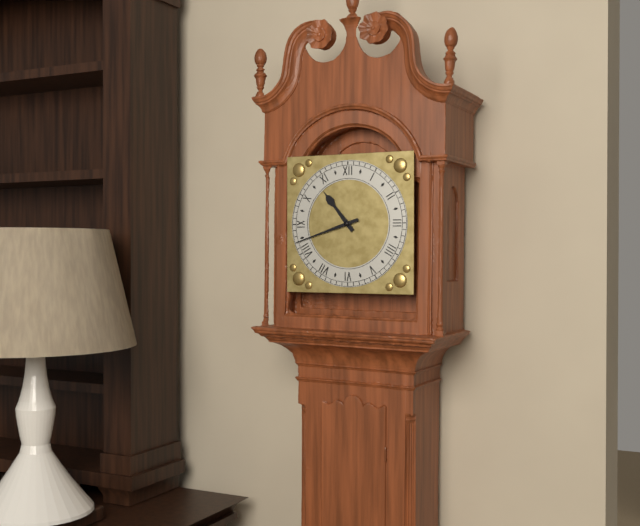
10:42
